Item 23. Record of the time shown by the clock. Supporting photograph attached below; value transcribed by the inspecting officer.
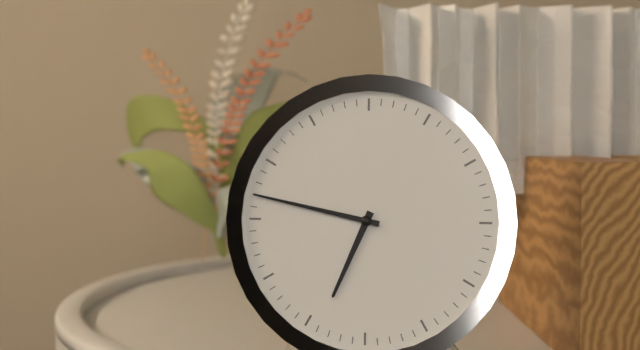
6:47
